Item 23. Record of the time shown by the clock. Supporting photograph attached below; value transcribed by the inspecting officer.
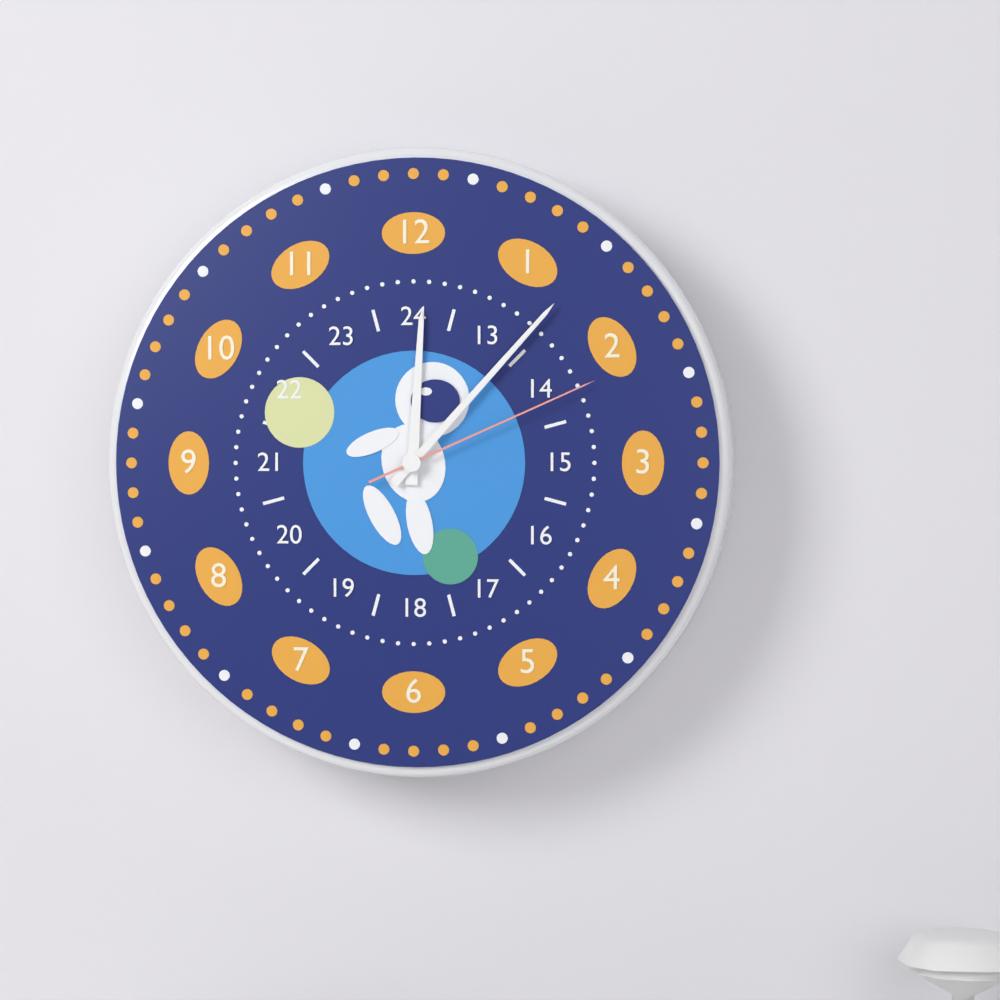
12:07:11
